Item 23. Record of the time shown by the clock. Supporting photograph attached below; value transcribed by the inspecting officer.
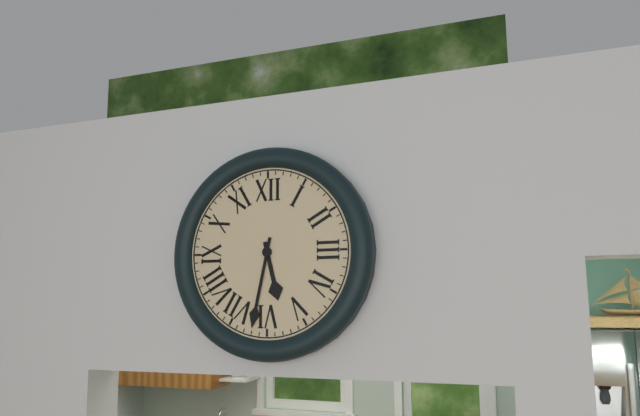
5:32
